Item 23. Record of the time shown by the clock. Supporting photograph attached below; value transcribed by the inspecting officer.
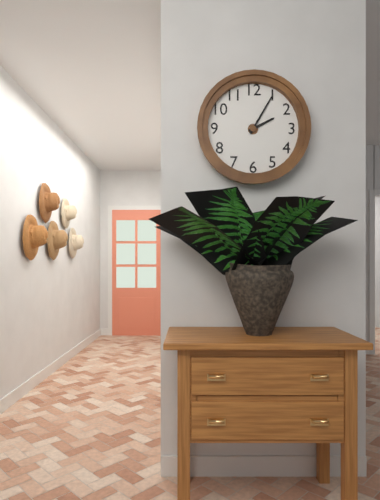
2:05
